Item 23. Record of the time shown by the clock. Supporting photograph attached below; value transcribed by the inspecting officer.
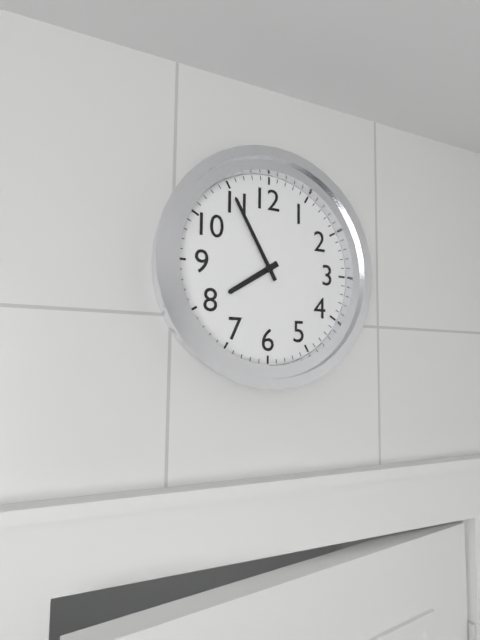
7:55
